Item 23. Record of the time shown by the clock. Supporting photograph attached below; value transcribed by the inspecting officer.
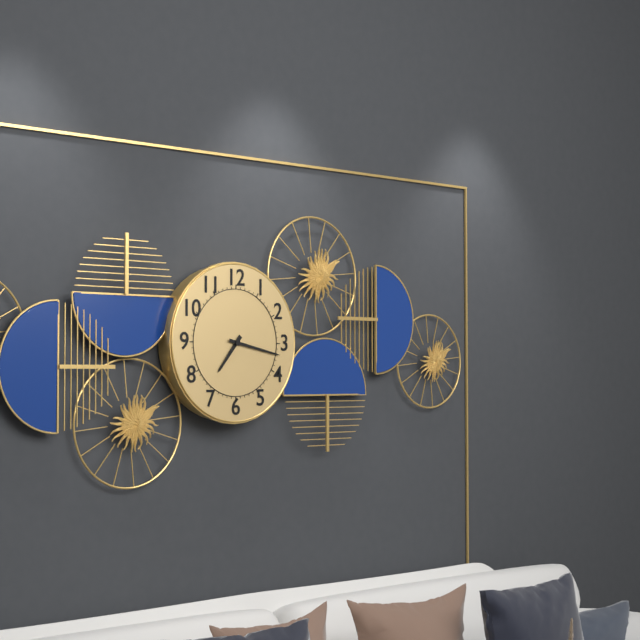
7:17
